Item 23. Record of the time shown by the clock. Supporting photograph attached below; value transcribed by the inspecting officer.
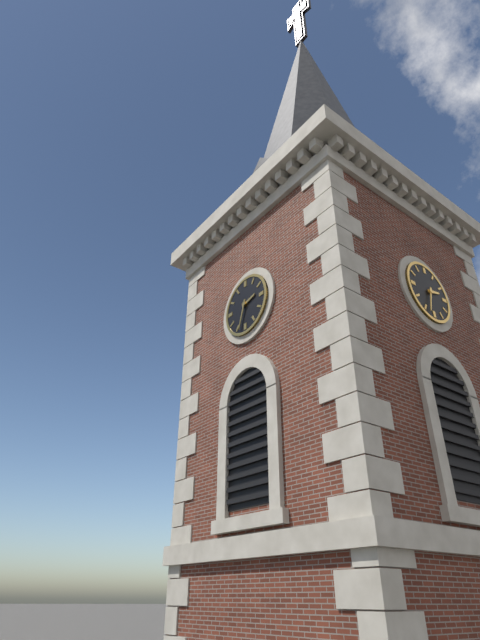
2:33
